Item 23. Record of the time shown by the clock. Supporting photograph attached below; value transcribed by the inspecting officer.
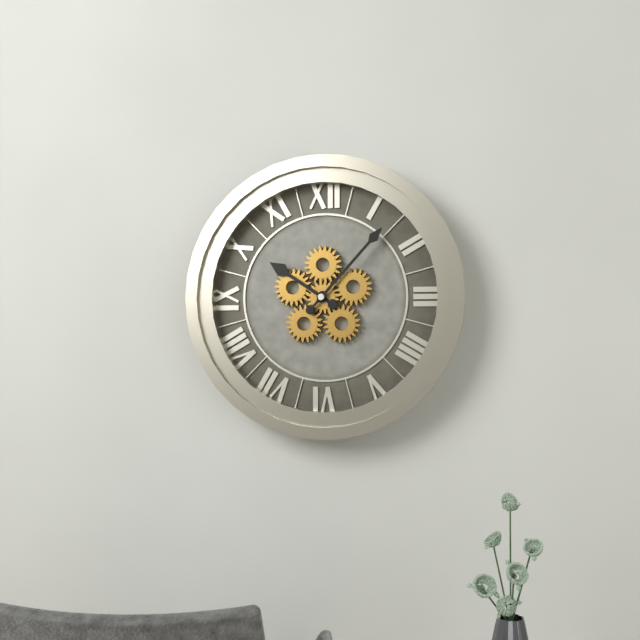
10:07
